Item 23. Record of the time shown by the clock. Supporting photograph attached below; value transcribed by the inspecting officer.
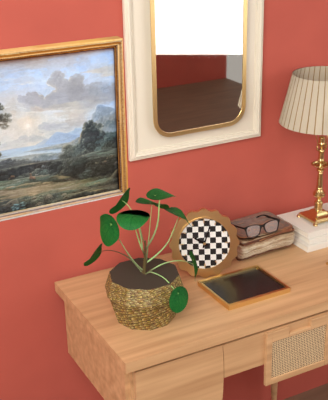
10:03
